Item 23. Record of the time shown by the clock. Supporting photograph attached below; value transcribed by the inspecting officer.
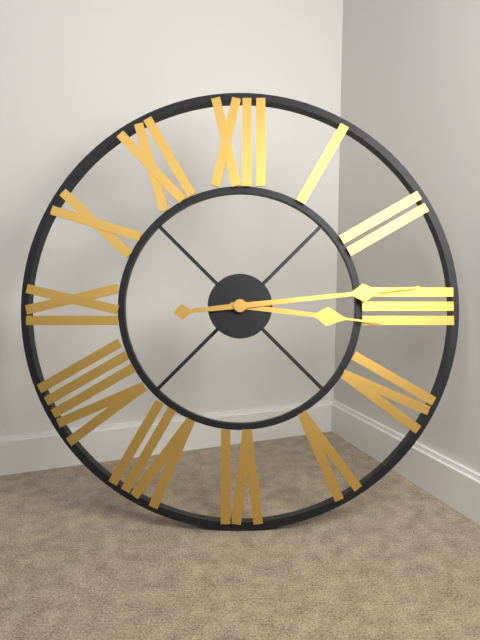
3:14
